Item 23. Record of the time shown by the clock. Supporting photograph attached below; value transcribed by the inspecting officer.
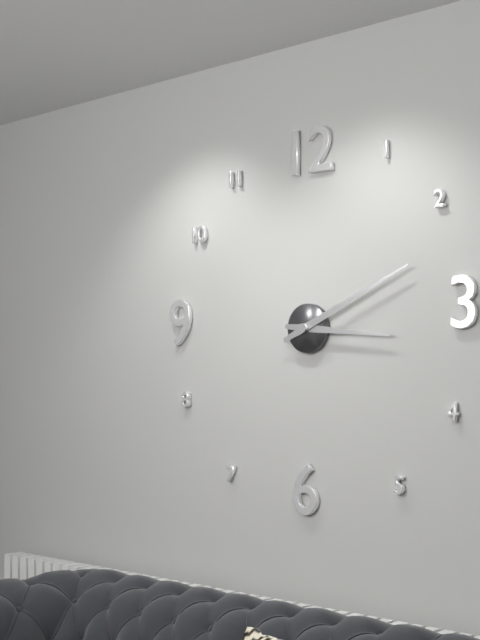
3:11
